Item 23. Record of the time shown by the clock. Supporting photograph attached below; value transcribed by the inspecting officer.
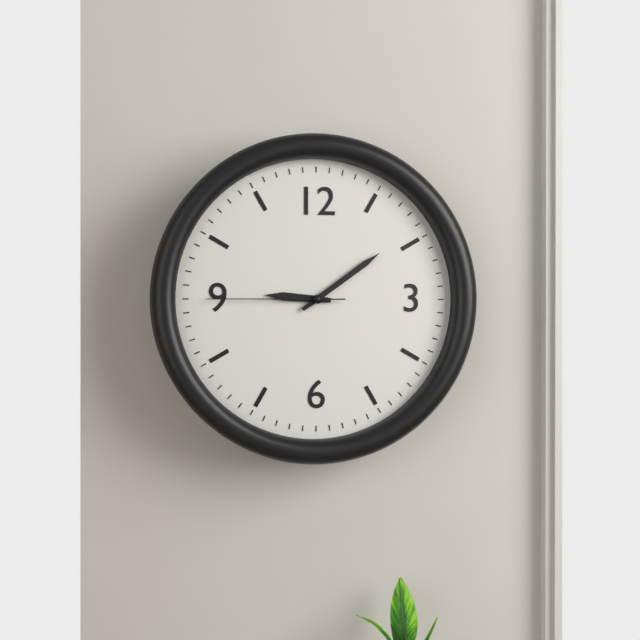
9:09:45
